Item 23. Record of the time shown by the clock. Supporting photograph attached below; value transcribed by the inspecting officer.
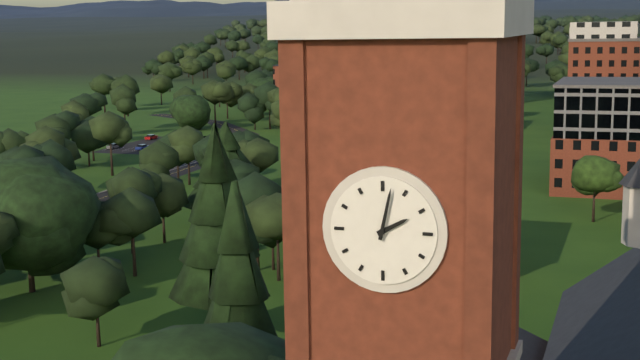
2:02
